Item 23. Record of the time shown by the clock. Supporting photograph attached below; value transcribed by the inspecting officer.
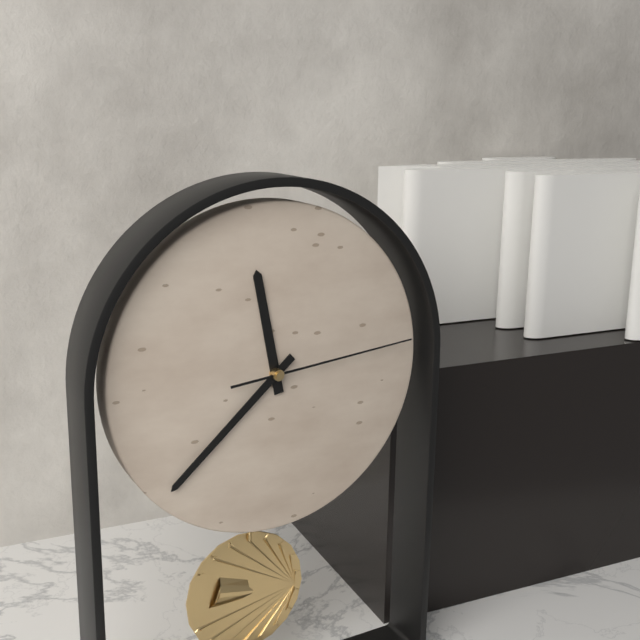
11:38:14
